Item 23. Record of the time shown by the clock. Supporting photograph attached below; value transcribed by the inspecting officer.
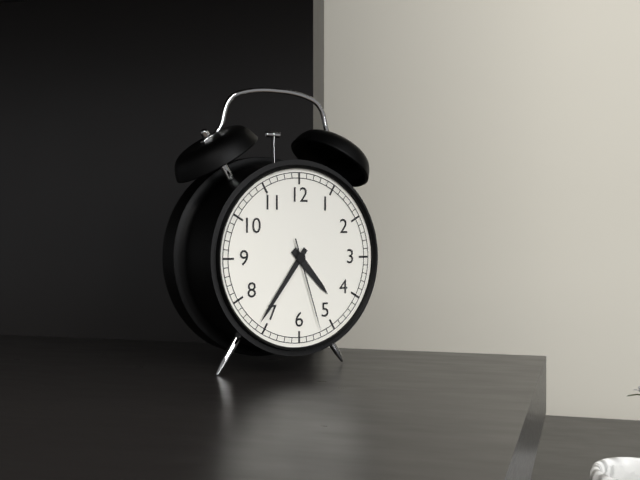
4:36:27
